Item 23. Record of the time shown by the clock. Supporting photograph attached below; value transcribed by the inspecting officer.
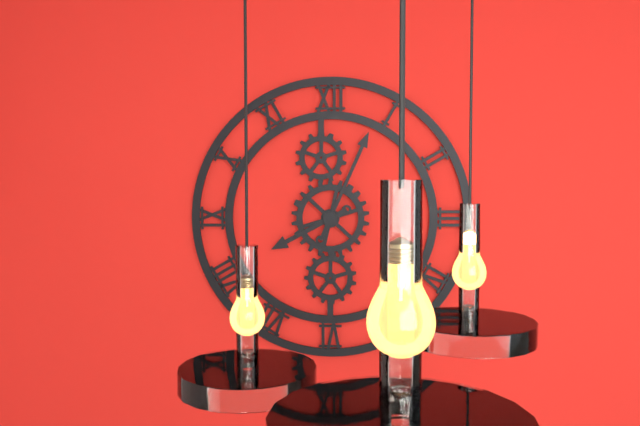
8:04
